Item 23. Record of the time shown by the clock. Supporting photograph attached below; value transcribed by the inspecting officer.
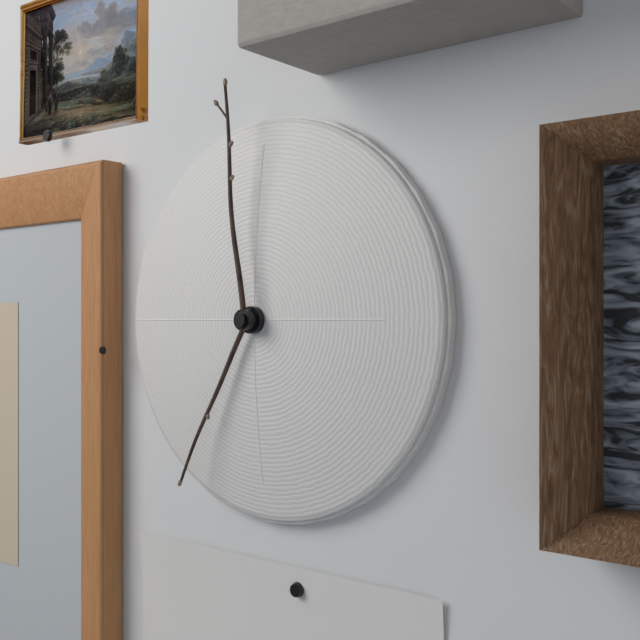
6:59
